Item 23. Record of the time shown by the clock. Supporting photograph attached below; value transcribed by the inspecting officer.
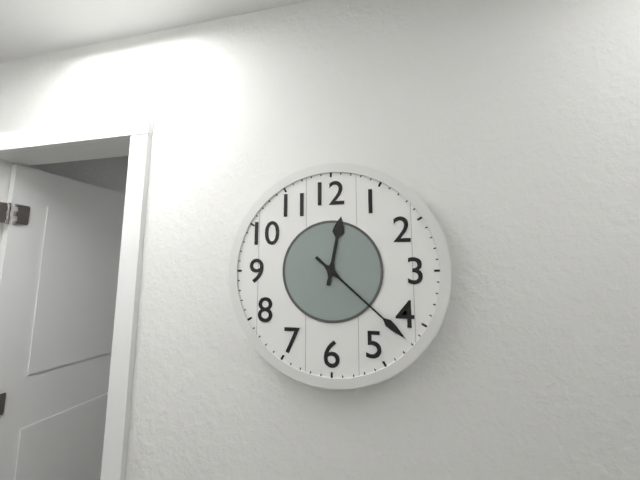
12:22
